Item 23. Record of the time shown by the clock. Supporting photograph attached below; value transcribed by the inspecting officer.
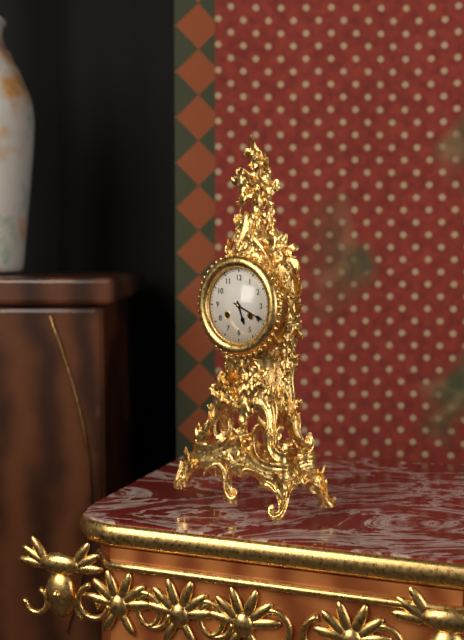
5:19
